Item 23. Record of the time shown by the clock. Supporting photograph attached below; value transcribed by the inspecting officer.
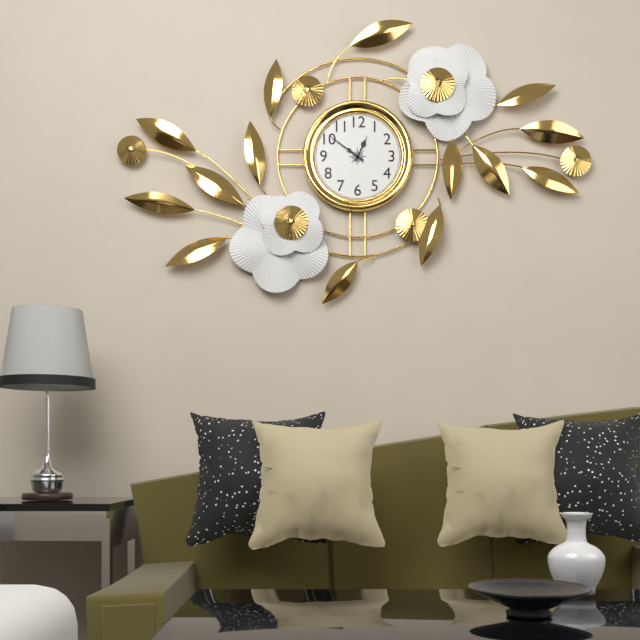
12:51
